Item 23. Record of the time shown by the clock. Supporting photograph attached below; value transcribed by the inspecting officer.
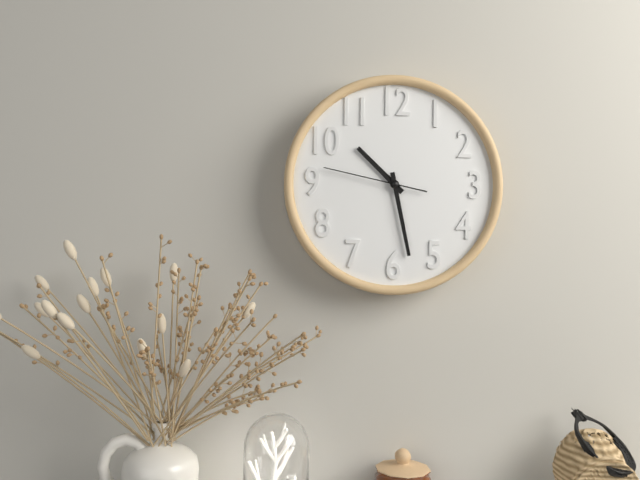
10:28:47
